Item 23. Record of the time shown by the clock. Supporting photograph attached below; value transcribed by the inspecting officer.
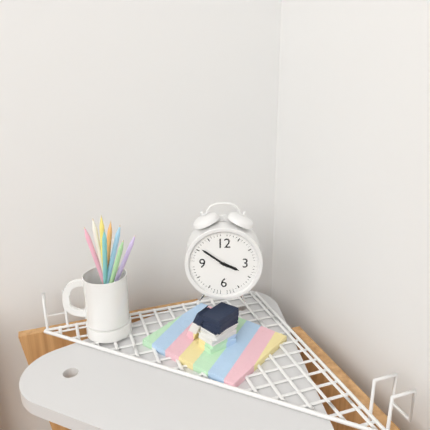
3:51
